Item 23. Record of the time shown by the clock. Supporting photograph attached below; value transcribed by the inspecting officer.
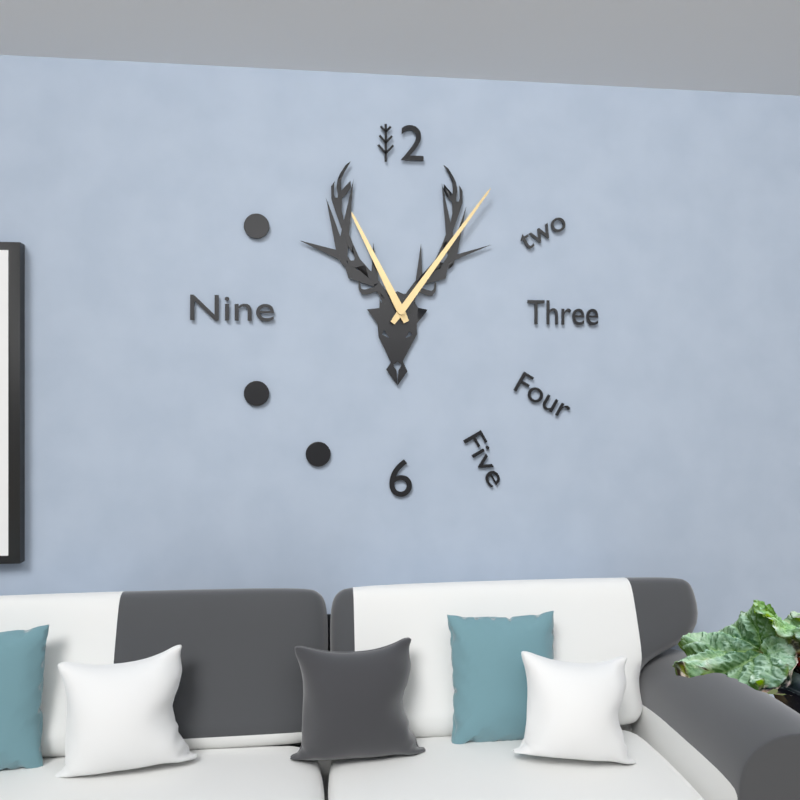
11:06
